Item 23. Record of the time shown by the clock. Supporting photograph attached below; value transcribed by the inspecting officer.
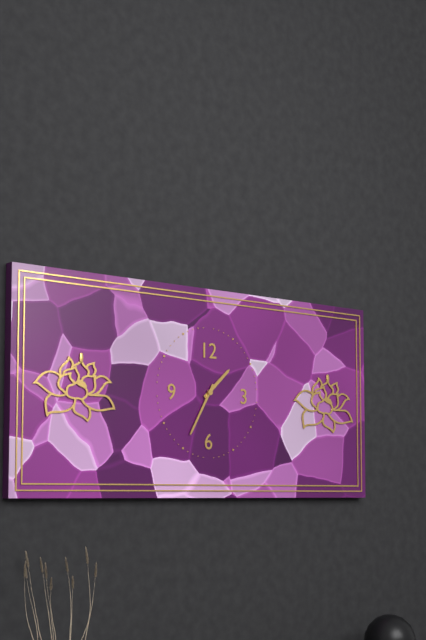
1:35
